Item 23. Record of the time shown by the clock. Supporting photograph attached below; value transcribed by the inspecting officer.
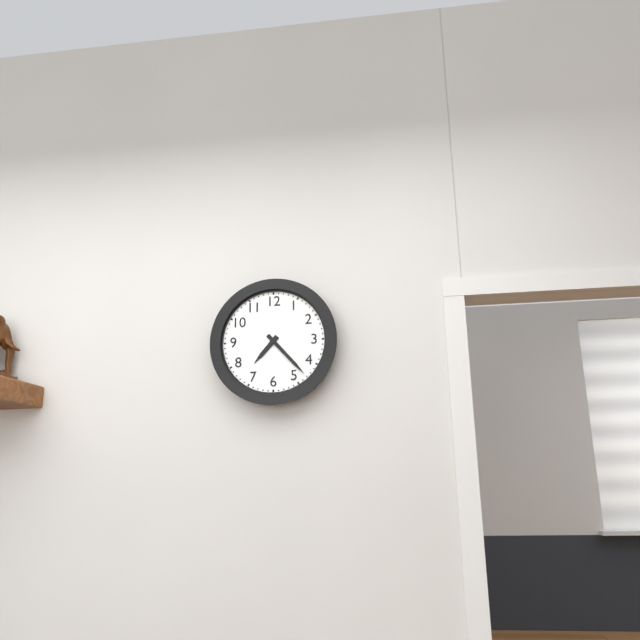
7:23
